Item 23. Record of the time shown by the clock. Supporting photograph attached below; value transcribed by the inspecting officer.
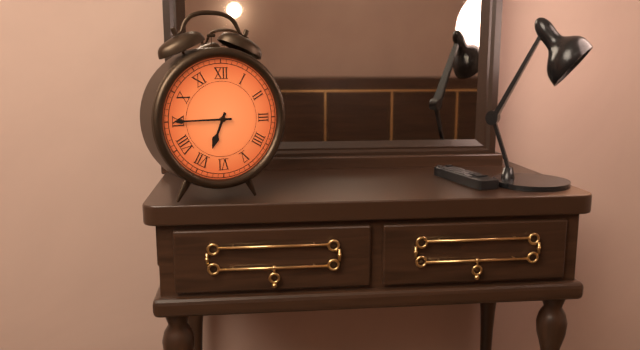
6:45
